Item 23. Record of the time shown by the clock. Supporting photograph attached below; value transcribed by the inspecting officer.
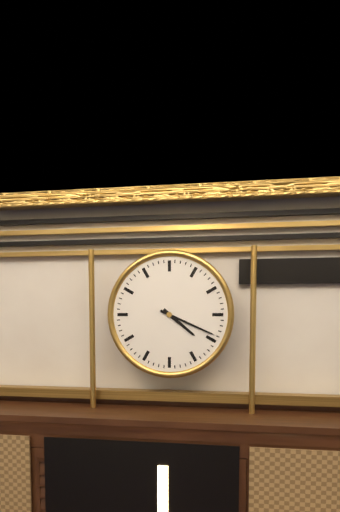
4:19
